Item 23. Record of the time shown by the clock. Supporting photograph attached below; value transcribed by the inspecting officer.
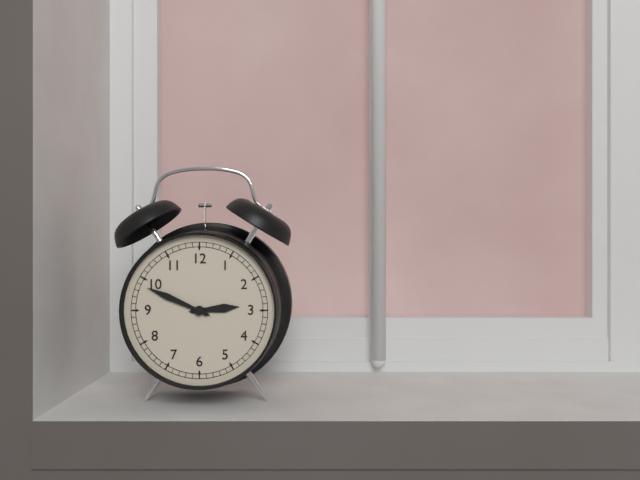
2:49
